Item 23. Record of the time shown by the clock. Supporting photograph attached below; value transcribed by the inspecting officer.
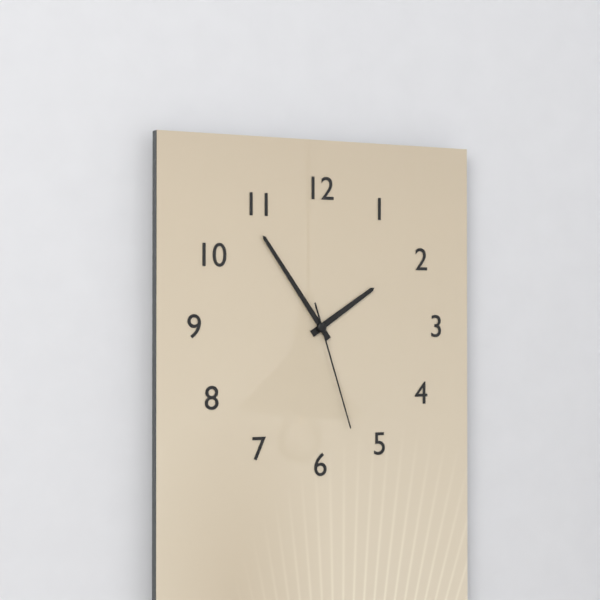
1:54:27
